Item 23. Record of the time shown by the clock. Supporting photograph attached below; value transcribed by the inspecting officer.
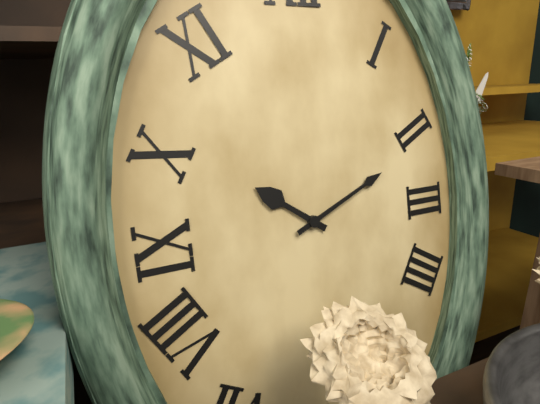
10:11
